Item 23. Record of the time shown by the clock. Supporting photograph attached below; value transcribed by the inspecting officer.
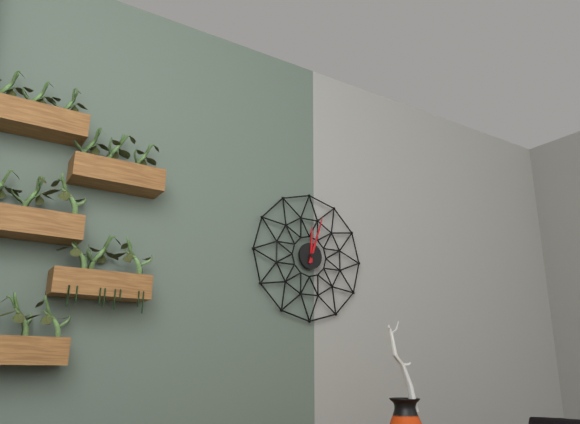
12:03
